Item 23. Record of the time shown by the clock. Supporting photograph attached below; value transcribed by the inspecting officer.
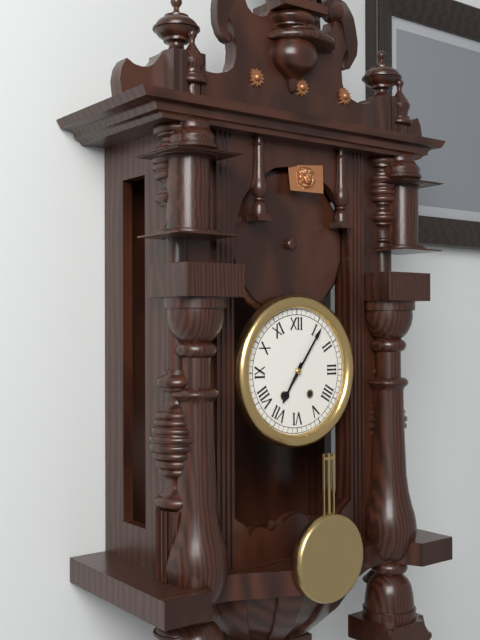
7:06
